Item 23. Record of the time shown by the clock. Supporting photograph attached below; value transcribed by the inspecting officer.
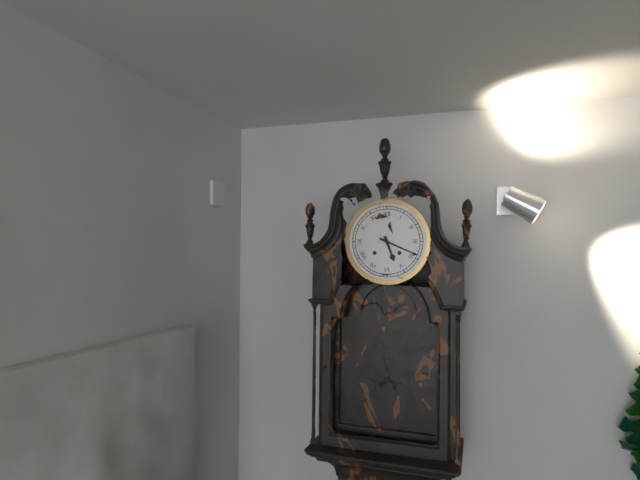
5:19
